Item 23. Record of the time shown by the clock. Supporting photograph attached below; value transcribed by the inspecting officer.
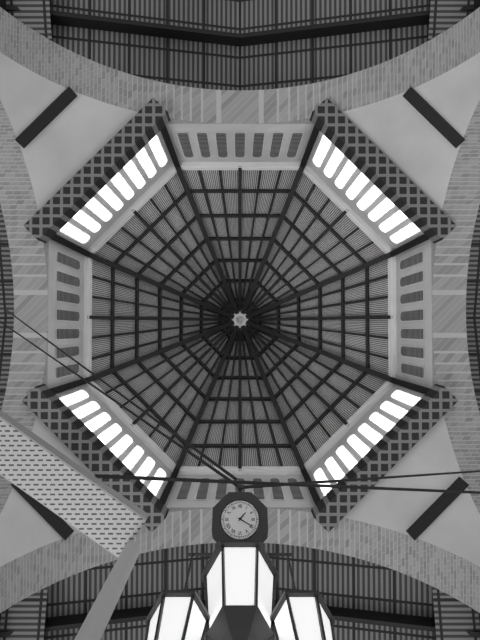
1:20
